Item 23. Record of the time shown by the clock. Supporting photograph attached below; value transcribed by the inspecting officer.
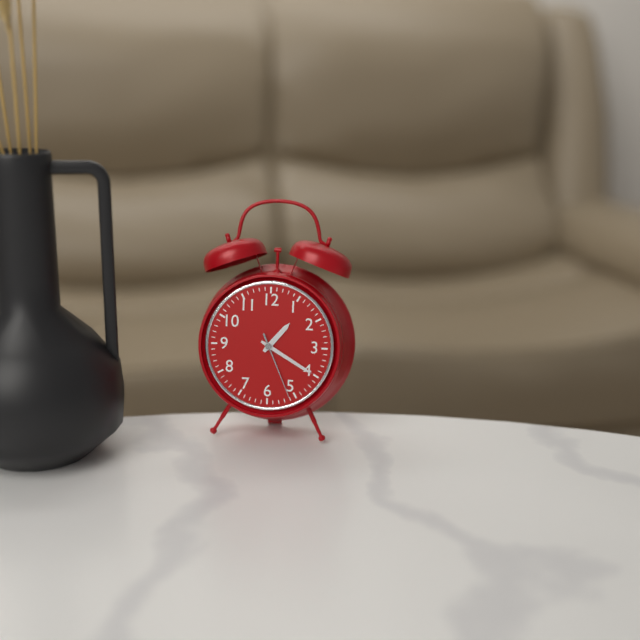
1:20:26
